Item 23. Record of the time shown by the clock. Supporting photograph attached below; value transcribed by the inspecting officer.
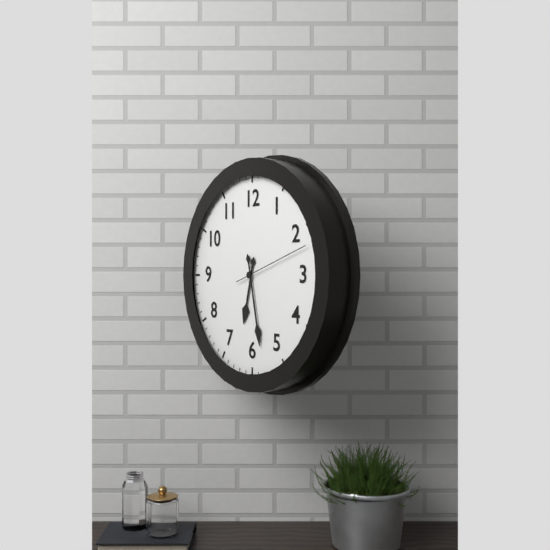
6:28:12
